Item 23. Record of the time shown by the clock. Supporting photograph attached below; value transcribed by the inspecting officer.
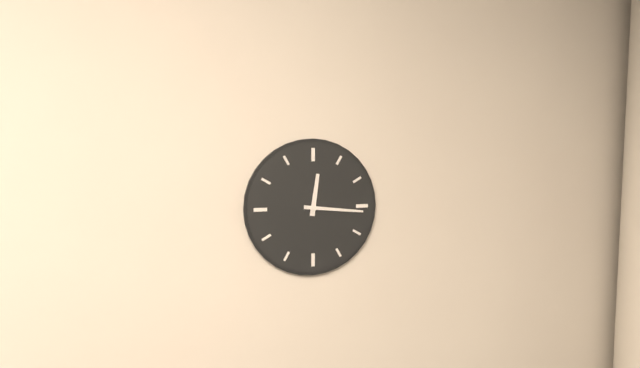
12:16
